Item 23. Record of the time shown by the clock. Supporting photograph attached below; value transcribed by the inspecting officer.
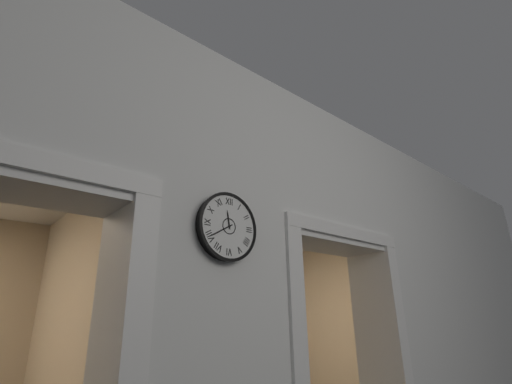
11:40
